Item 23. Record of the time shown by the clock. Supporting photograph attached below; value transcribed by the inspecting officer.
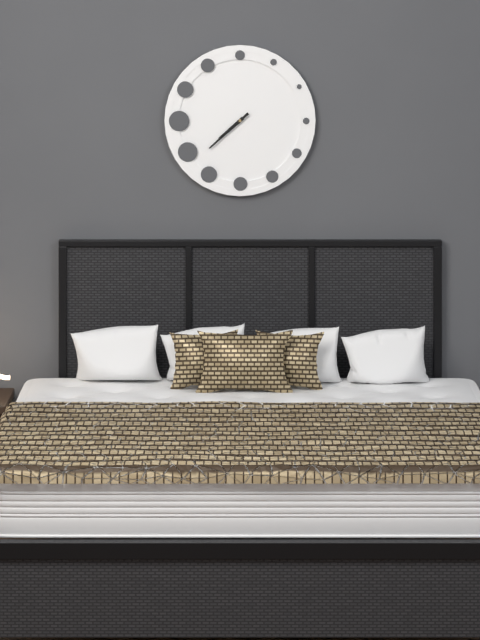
7:38
